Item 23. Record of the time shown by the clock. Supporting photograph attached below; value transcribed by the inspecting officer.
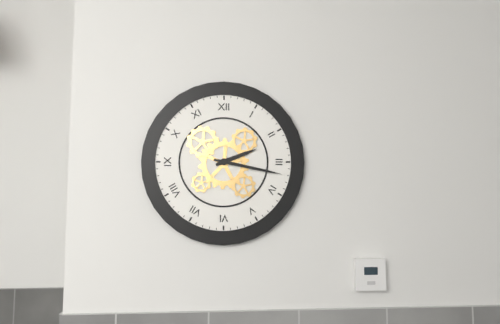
2:17
